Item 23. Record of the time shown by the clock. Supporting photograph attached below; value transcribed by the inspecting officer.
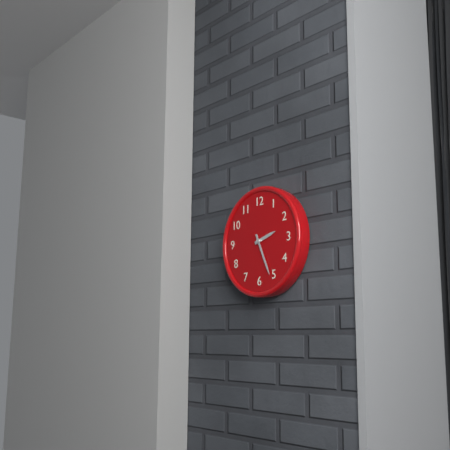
2:26
